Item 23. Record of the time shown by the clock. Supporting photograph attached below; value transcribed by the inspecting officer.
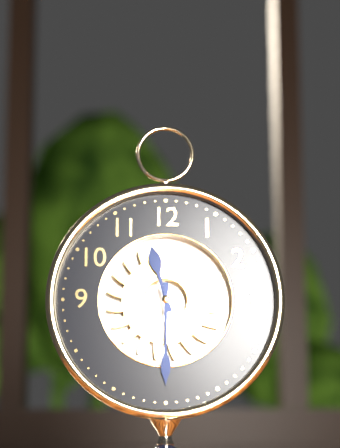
11:30
